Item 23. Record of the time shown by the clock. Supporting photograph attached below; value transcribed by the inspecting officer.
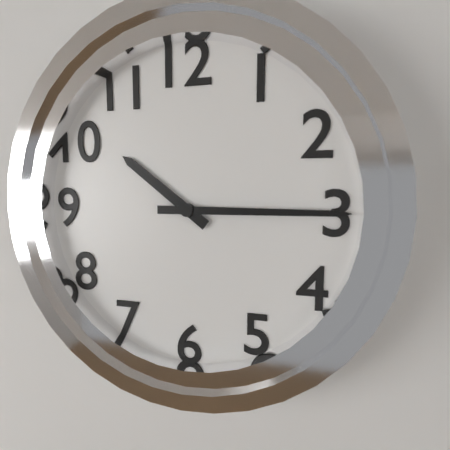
10:15
